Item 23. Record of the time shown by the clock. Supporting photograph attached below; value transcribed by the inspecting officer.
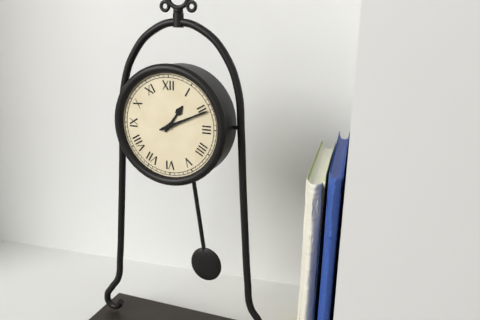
1:11
